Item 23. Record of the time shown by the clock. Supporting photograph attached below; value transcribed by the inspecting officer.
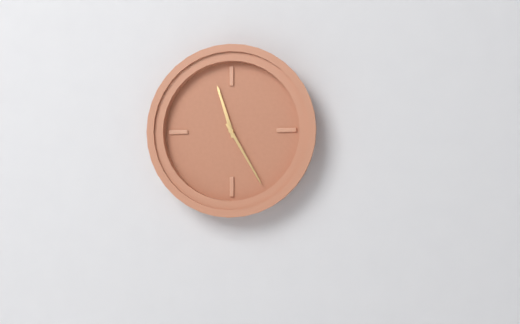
11:25
